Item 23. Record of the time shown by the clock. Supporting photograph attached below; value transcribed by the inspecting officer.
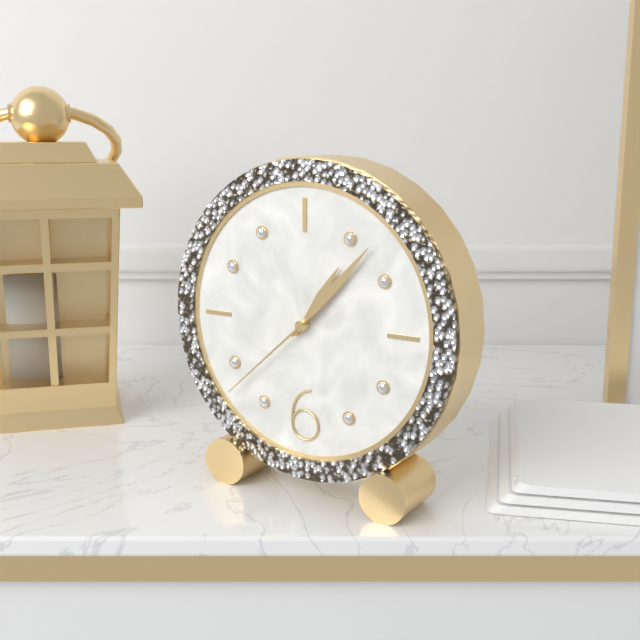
1:07:38
